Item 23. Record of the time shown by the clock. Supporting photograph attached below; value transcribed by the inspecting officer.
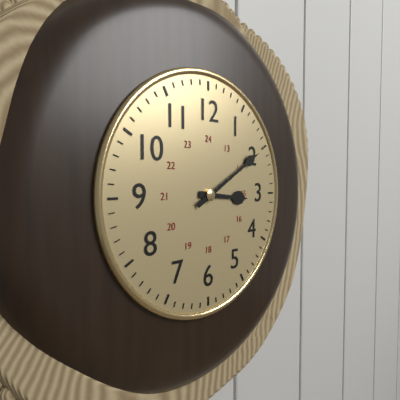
3:10
